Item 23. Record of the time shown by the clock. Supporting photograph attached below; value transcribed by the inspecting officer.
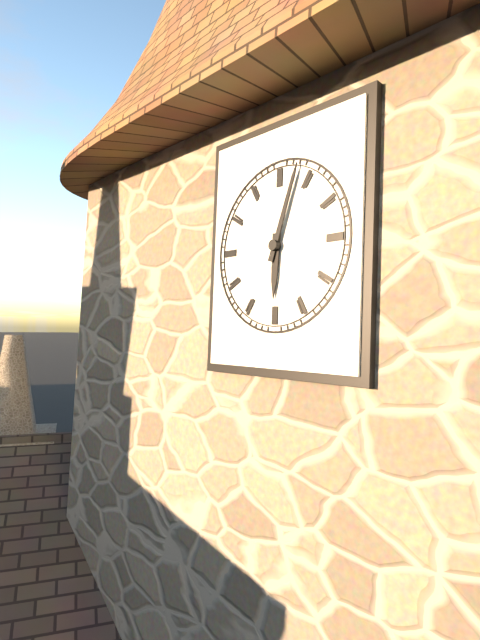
6:03
